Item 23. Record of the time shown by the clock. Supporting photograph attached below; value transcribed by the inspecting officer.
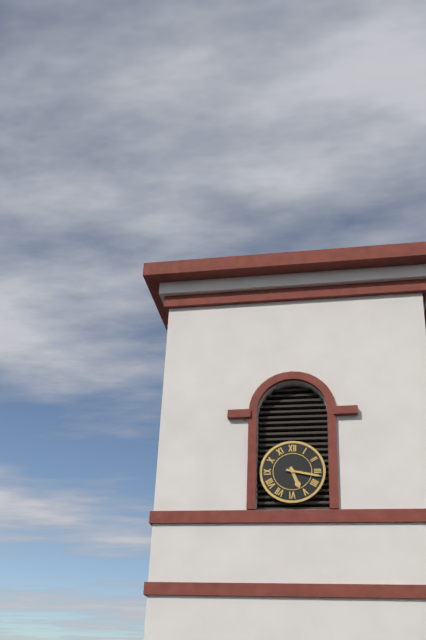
5:17
